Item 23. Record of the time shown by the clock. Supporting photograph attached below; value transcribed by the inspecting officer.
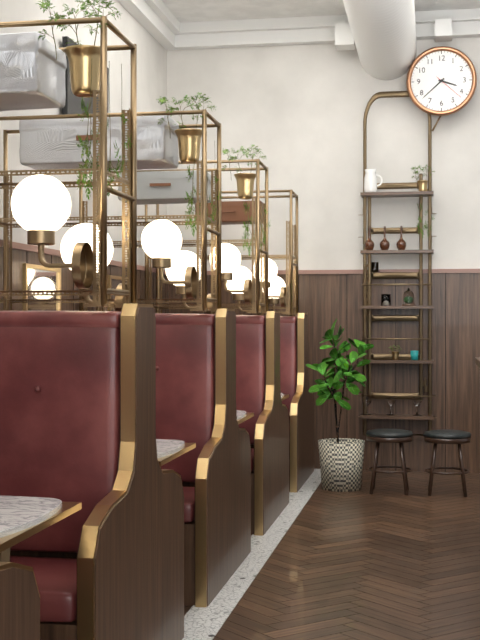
3:38
